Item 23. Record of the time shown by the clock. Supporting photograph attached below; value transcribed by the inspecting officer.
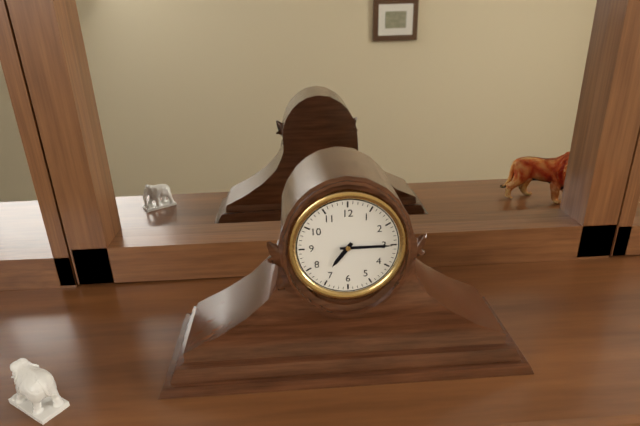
7:15
